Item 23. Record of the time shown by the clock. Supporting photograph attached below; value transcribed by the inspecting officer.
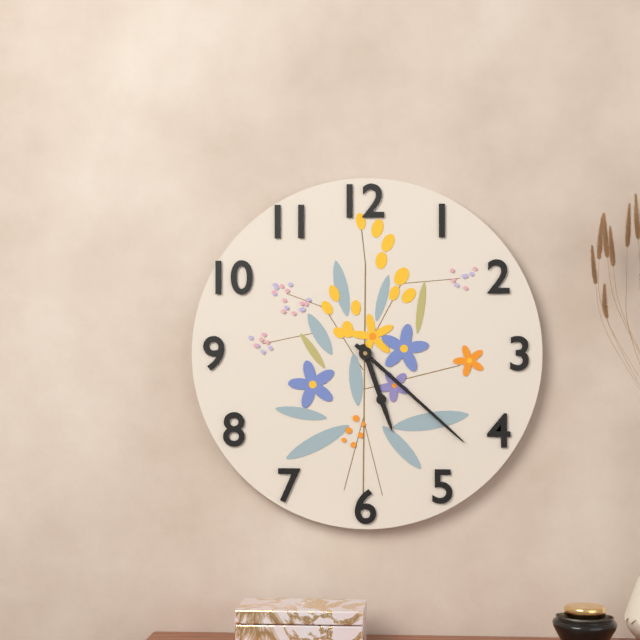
5:22
